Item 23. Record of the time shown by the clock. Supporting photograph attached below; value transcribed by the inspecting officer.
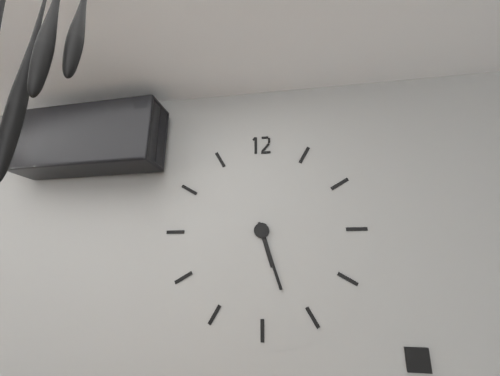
5:27
